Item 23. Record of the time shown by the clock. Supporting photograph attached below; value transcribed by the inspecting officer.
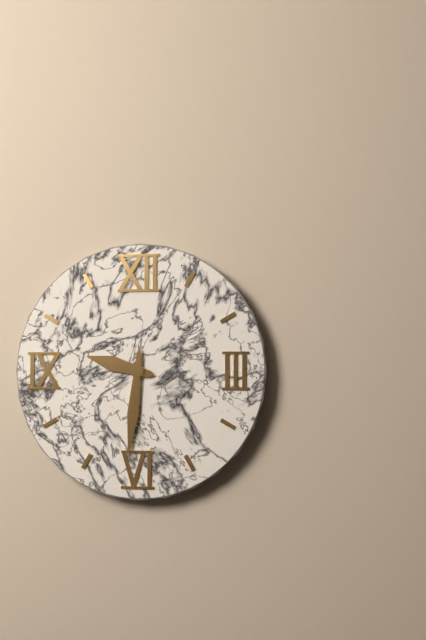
9:31
